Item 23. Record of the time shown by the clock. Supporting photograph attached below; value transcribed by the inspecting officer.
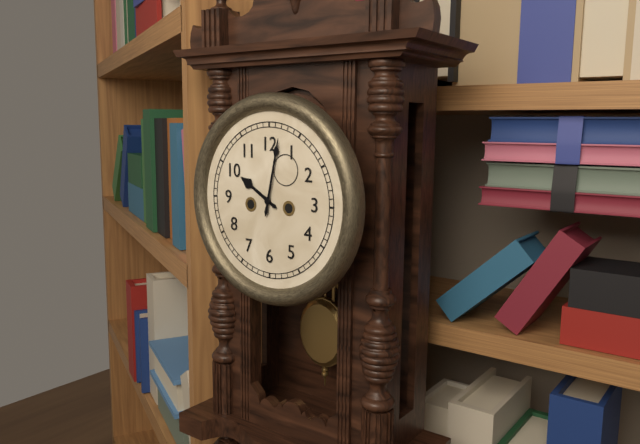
10:02
